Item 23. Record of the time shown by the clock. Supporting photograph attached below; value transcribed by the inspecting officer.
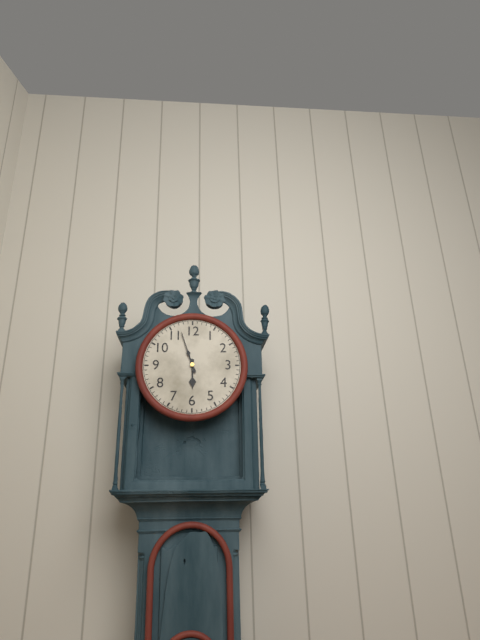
5:57
